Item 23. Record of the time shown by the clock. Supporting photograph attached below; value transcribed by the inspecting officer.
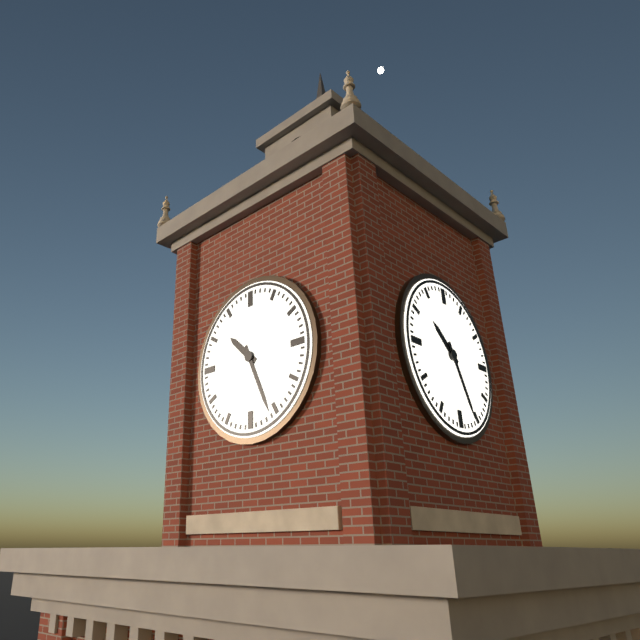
10:26
